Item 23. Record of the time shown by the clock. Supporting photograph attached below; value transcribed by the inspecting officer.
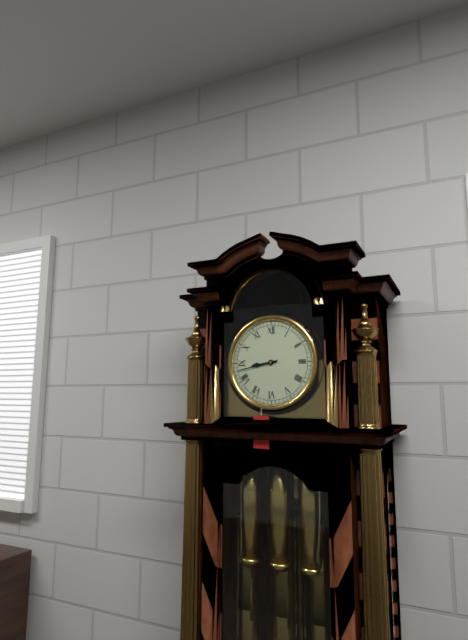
8:43
